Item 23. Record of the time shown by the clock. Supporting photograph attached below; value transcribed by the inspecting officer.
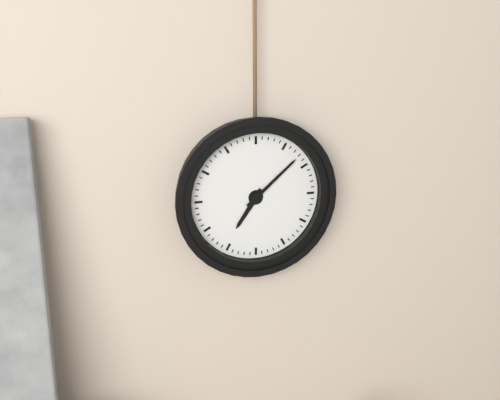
7:08
